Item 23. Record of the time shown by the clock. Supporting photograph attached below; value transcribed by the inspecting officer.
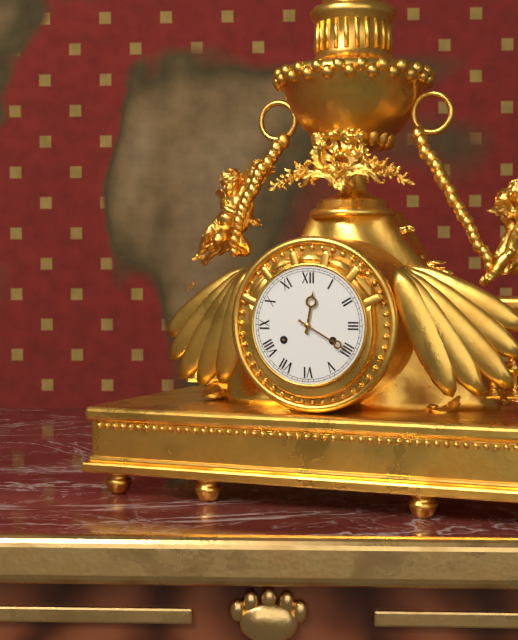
12:20
